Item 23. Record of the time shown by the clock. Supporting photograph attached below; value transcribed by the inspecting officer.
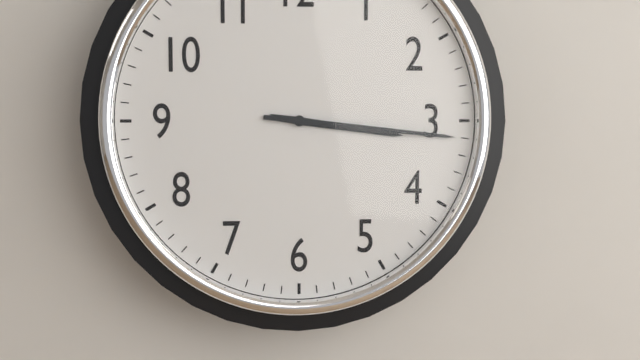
3:16
